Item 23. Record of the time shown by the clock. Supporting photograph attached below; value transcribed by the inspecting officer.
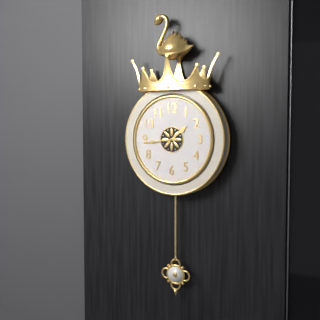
1:44
